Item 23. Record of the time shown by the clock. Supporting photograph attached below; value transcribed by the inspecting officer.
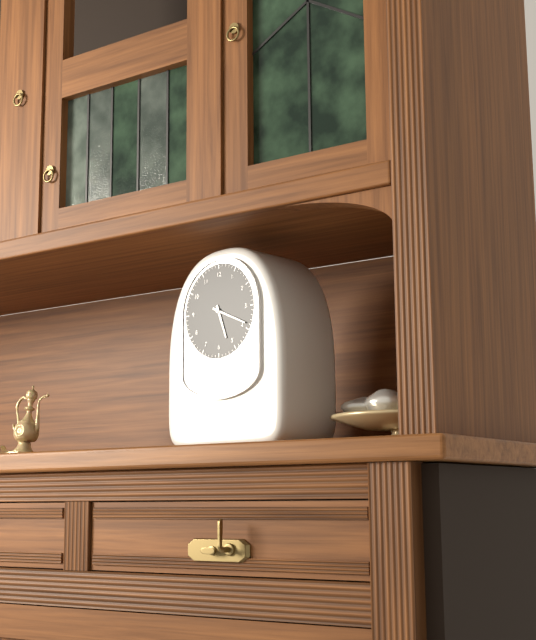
5:19
